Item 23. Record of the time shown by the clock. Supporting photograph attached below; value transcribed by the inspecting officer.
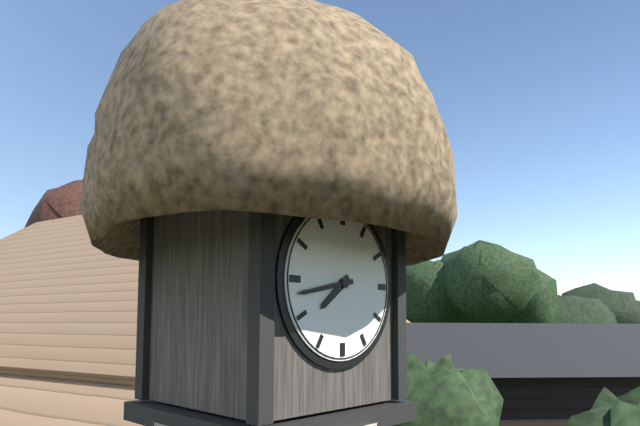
7:43
